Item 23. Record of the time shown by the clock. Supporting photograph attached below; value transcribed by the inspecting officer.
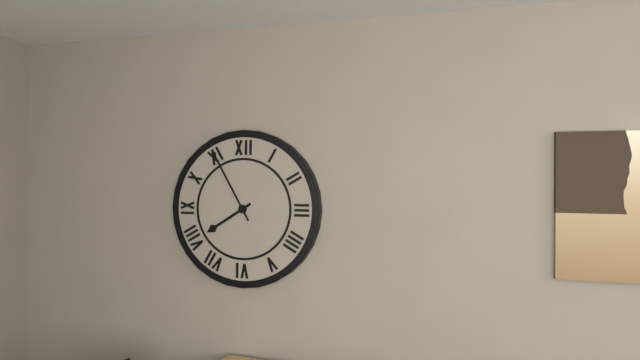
7:55
